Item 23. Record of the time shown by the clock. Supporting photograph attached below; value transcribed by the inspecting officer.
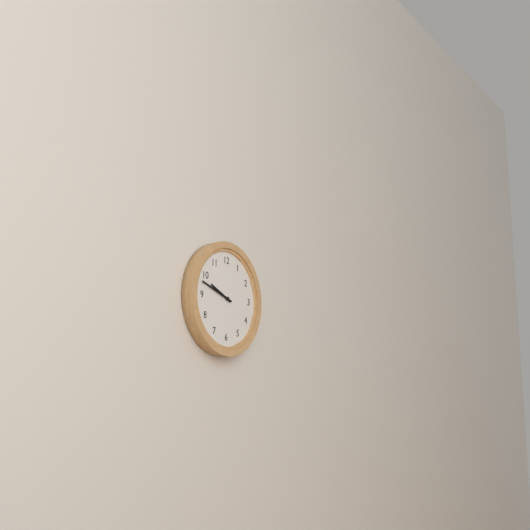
9:48
